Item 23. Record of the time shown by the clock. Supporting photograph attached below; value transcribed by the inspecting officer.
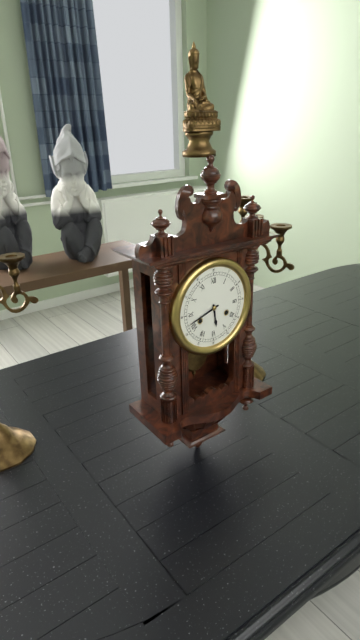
5:42
